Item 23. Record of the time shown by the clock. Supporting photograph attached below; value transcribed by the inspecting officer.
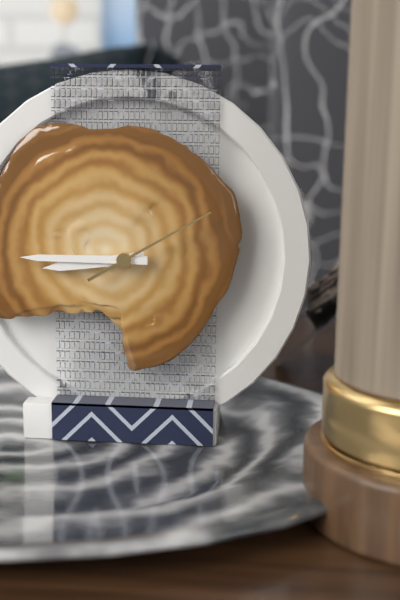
8:45:10
